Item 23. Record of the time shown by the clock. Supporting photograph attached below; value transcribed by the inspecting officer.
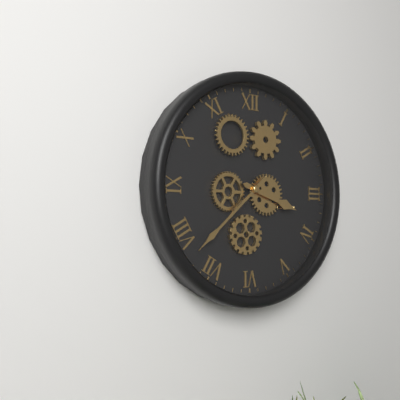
3:38
